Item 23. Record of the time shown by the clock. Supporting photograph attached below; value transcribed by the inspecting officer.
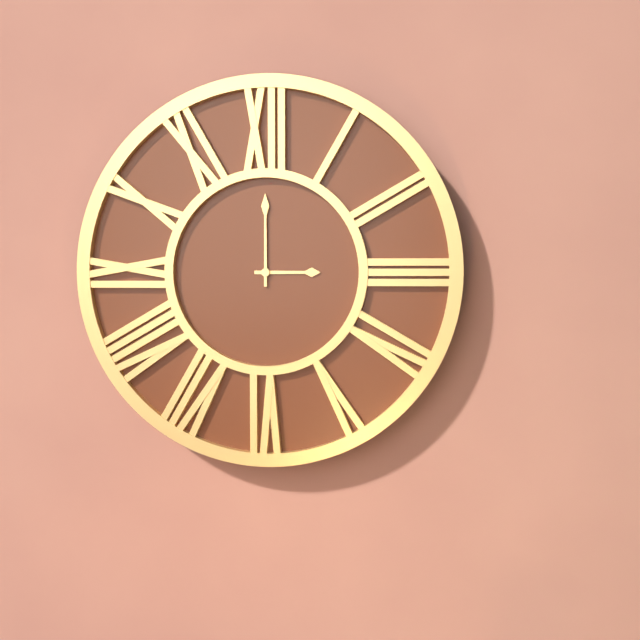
3:00
